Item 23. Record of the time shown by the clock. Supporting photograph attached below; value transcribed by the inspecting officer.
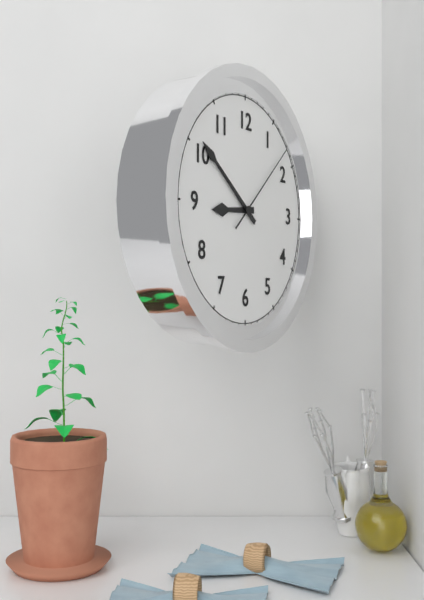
8:51:08
